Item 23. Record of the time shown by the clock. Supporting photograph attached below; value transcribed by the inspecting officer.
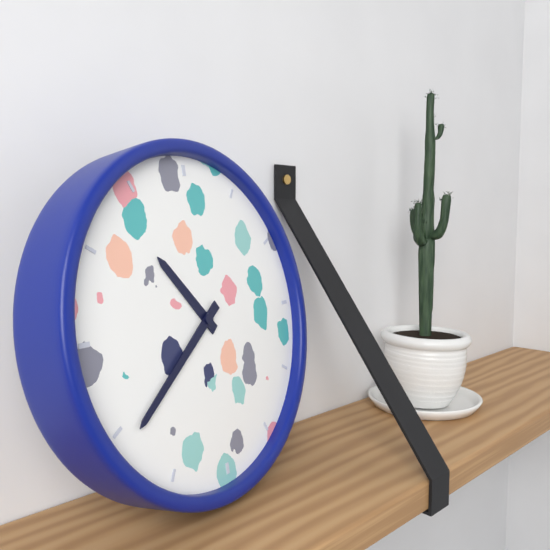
10:39
